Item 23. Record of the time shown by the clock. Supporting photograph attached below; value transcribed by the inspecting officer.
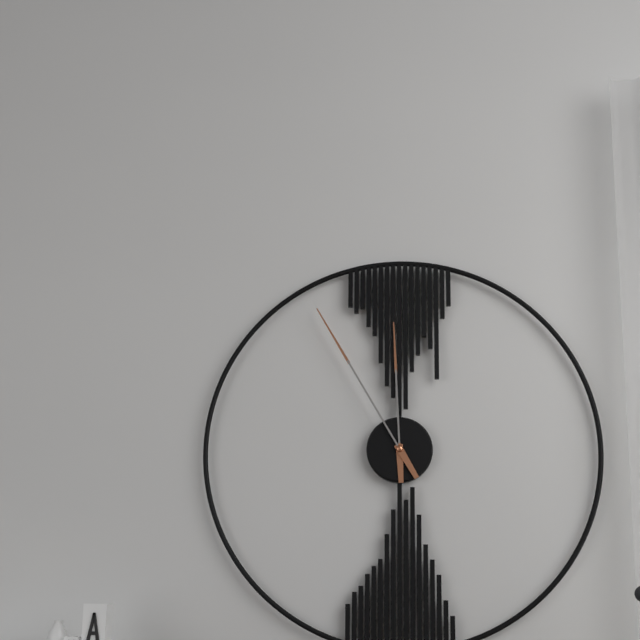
11:55
